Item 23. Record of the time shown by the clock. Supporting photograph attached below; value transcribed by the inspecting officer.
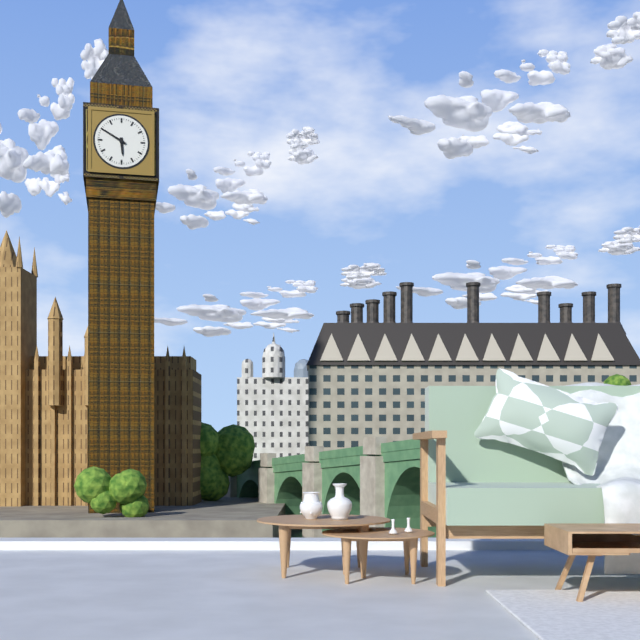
5:50
